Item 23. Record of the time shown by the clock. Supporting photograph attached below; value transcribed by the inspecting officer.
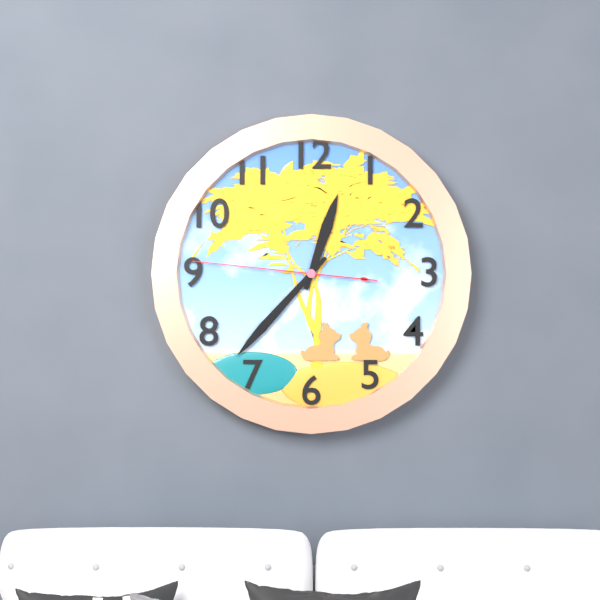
12:37:46
